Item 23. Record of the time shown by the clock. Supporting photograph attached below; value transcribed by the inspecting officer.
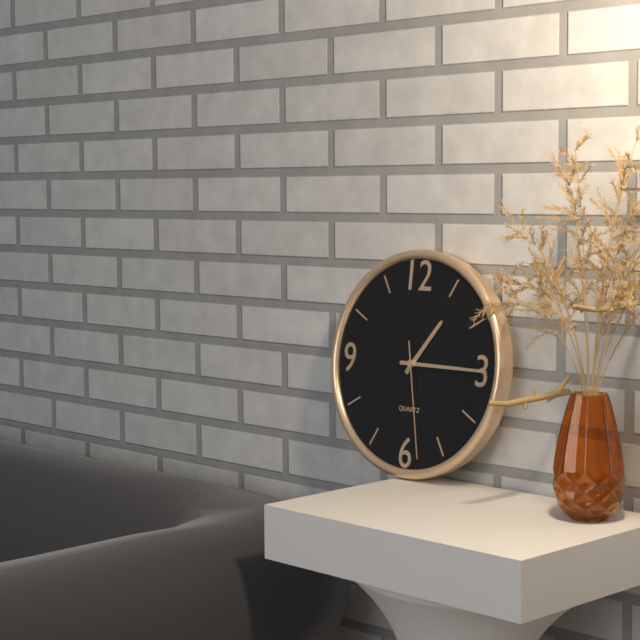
1:15:28
